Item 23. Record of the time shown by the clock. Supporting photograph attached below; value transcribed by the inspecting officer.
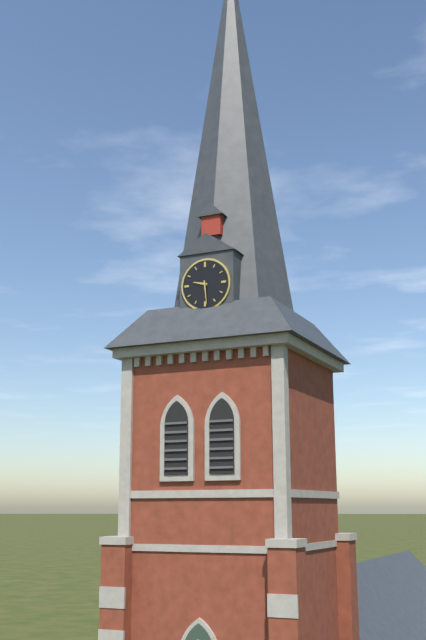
9:29
